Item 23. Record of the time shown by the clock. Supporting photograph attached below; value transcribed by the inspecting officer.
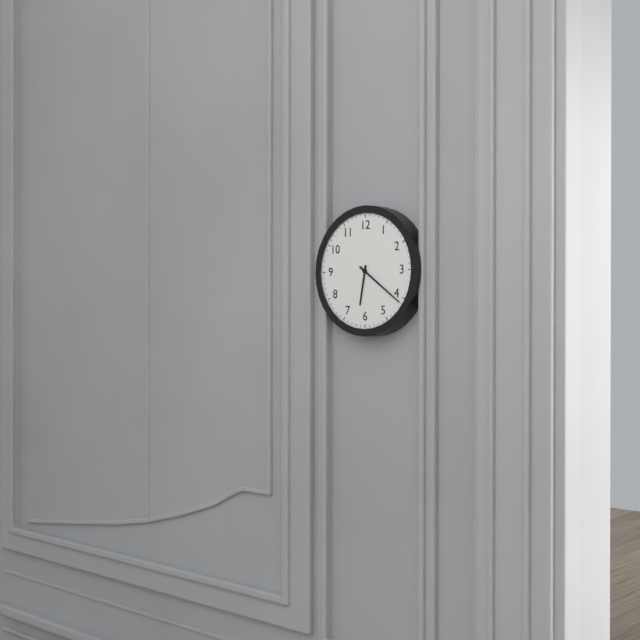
6:21
